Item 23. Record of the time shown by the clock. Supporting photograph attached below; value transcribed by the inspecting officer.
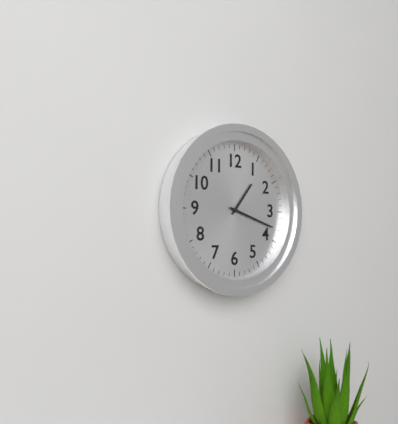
1:18
